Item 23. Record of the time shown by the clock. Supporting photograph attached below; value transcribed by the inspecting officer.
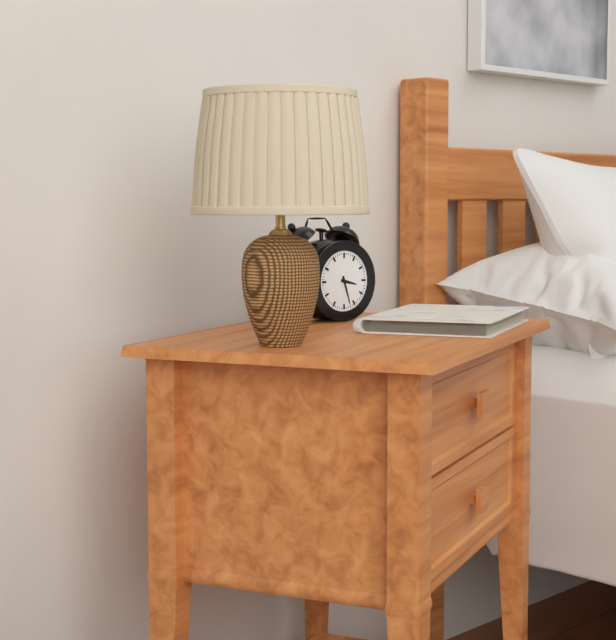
3:27
